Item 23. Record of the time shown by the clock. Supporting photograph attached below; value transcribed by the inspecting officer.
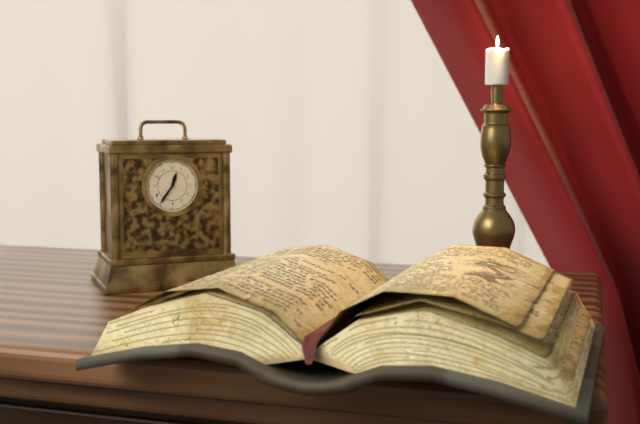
12:36
